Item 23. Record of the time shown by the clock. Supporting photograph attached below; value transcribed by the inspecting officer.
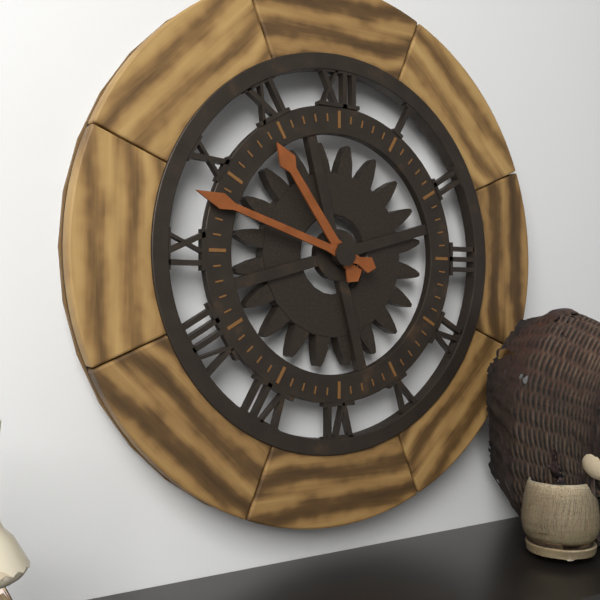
10:48
